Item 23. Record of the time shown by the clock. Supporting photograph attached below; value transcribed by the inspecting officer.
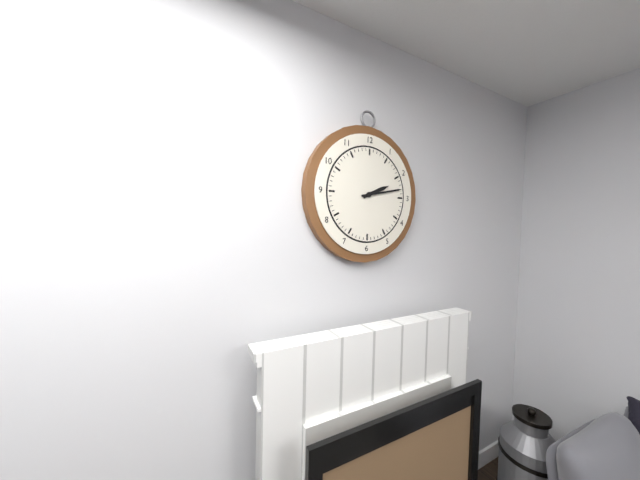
2:13
